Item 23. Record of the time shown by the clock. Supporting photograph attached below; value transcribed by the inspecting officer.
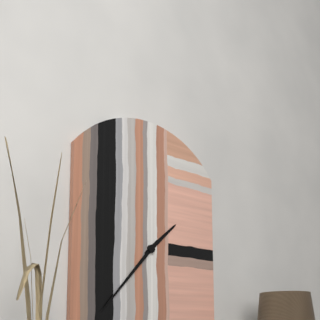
1:37
